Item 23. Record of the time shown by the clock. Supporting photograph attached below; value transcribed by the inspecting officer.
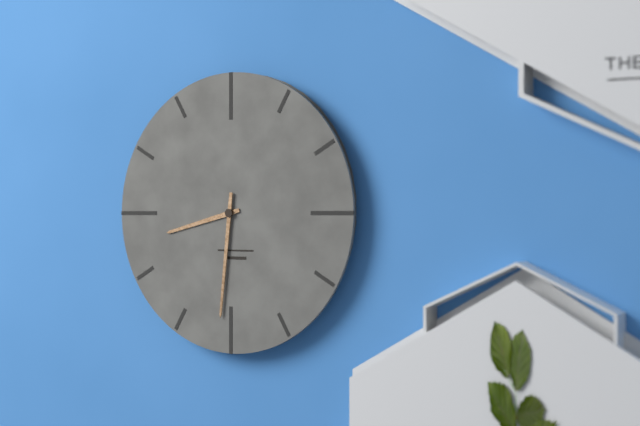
8:31
